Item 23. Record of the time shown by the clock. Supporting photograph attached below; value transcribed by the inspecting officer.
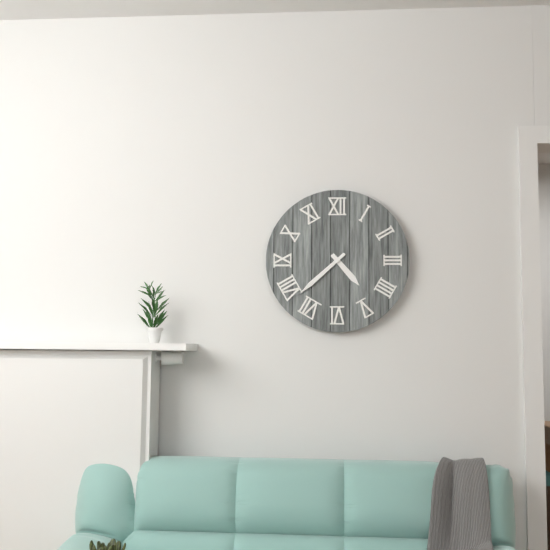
4:38
